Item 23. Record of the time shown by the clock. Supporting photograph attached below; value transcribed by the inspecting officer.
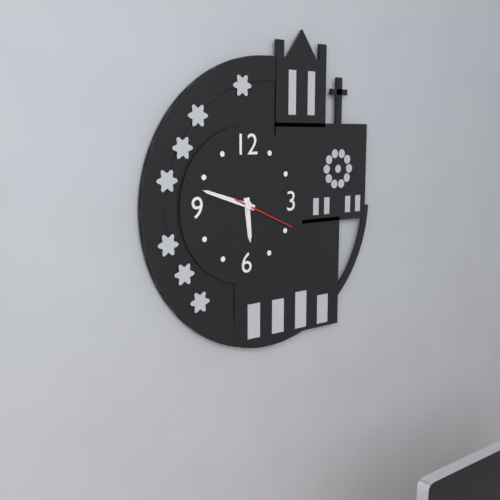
5:48:19
